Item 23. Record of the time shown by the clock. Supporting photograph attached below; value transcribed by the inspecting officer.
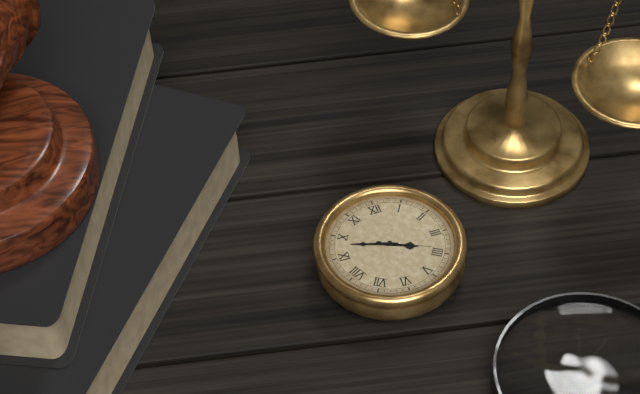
3:48:19
